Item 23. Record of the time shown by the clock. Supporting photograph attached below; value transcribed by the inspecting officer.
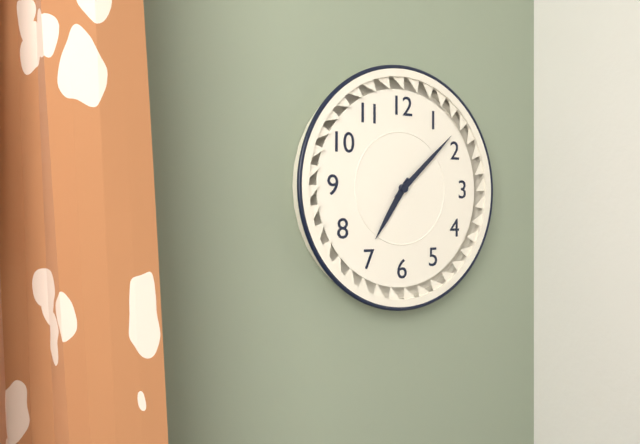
7:08
